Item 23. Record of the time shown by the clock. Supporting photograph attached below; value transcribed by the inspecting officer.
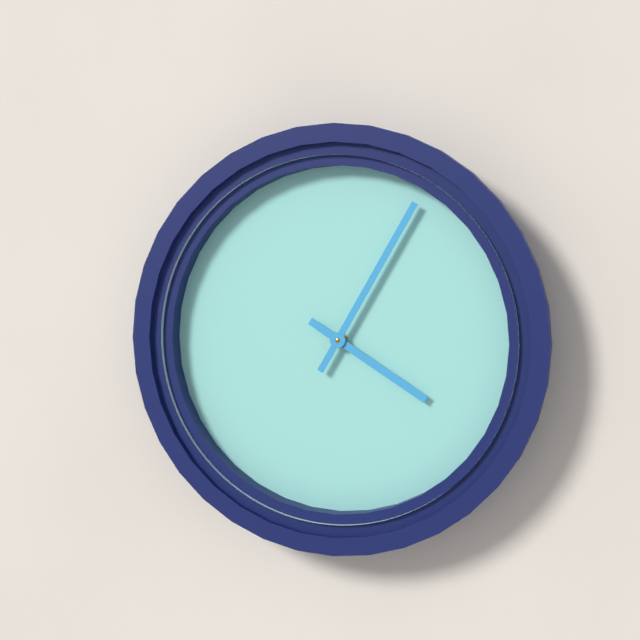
4:05
